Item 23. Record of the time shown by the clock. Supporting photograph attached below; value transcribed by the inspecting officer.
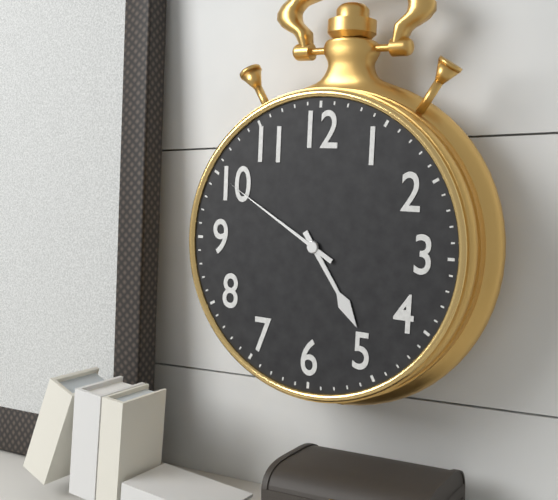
4:50
